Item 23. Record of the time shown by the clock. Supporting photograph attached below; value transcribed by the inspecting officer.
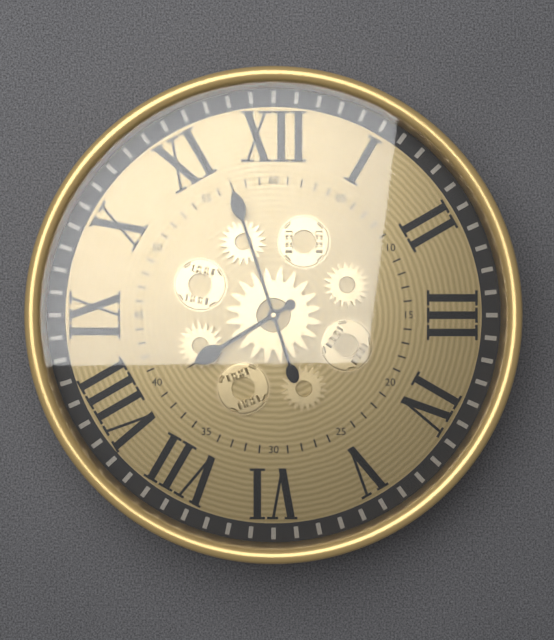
7:57
